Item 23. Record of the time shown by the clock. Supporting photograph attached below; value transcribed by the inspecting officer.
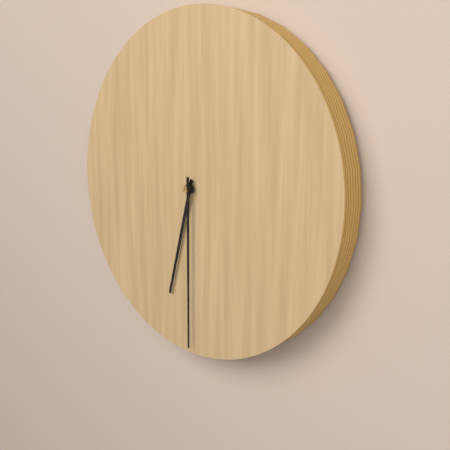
6:30
